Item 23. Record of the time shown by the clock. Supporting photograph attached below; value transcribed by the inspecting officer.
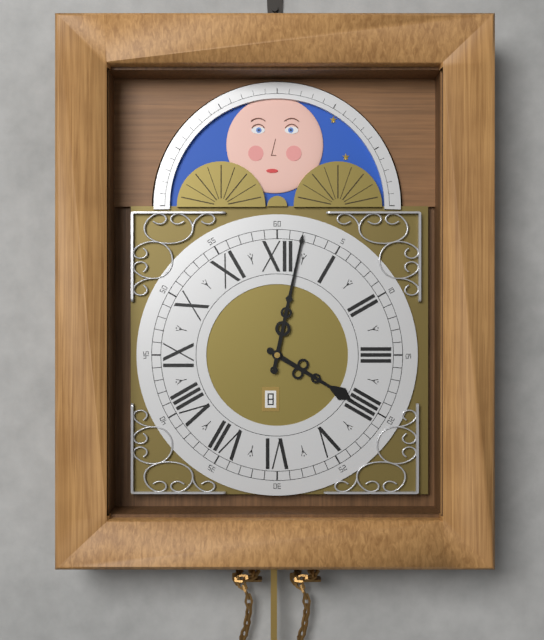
4:02
